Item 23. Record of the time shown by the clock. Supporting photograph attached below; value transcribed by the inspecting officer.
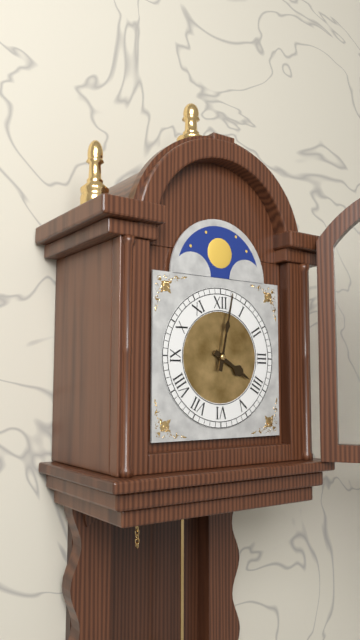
4:02
